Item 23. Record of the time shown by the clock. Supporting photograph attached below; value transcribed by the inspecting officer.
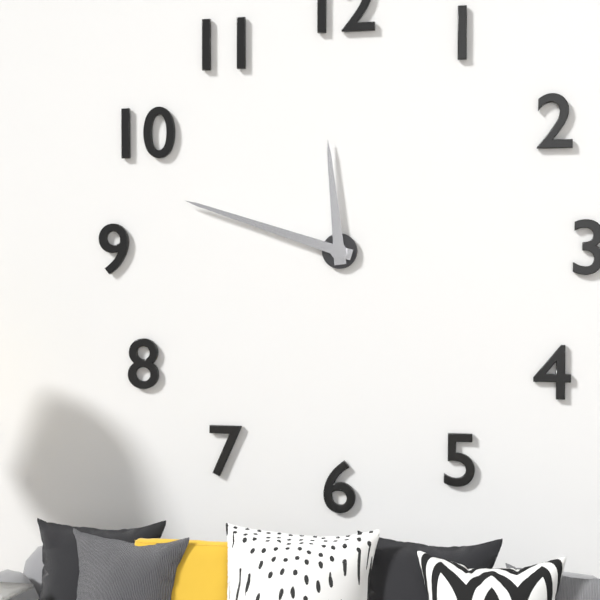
11:48
